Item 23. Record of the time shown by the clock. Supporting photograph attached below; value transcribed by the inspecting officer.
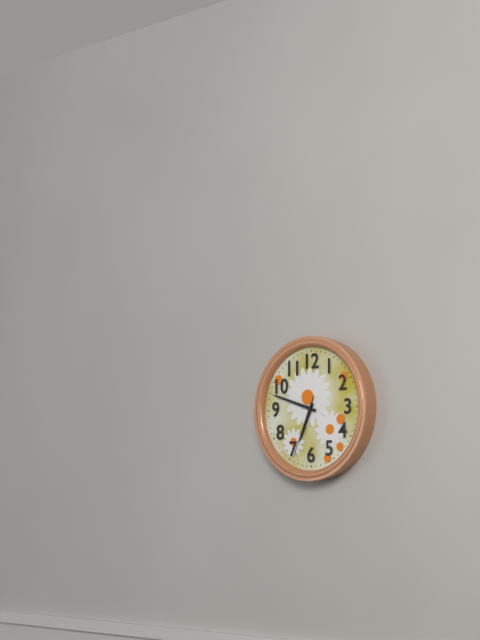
6:48:34
